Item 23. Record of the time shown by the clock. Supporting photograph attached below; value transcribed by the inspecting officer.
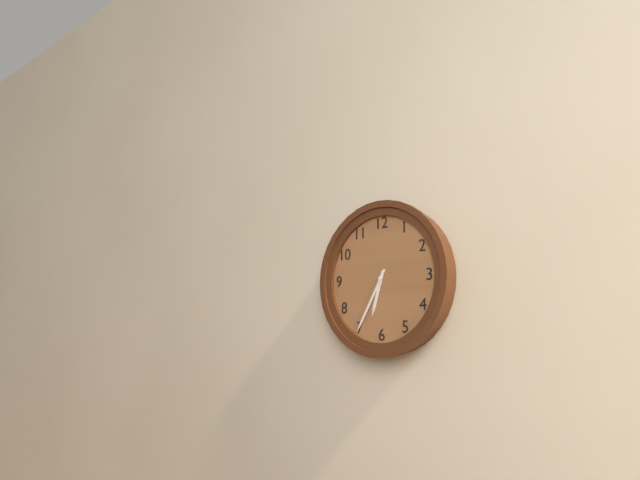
6:35
